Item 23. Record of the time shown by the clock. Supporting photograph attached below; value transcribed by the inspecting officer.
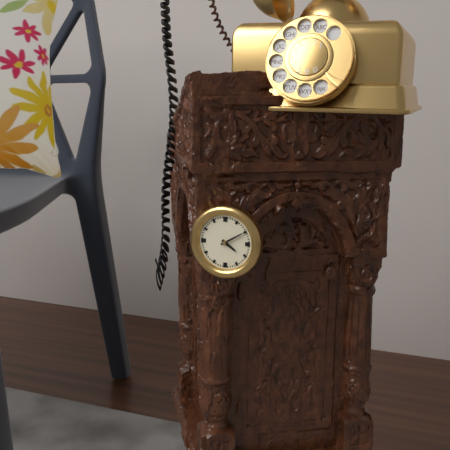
4:10
